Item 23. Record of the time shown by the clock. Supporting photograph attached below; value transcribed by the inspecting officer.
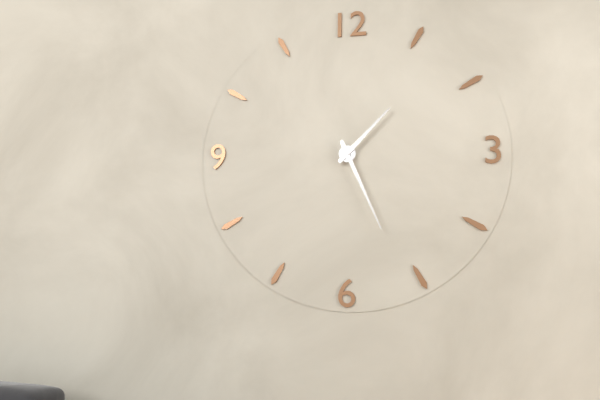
1:26
